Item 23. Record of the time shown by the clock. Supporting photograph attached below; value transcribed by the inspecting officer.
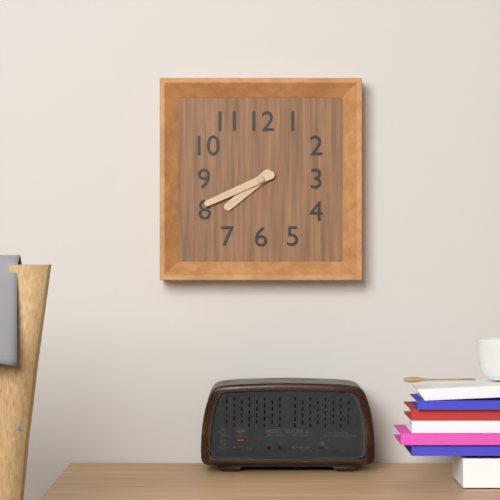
7:41
